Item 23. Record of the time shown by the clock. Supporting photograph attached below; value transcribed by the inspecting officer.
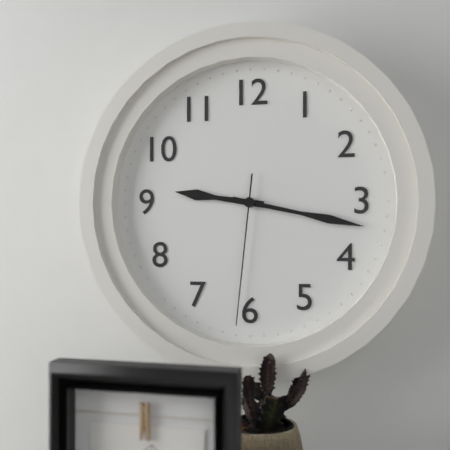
9:17:31
